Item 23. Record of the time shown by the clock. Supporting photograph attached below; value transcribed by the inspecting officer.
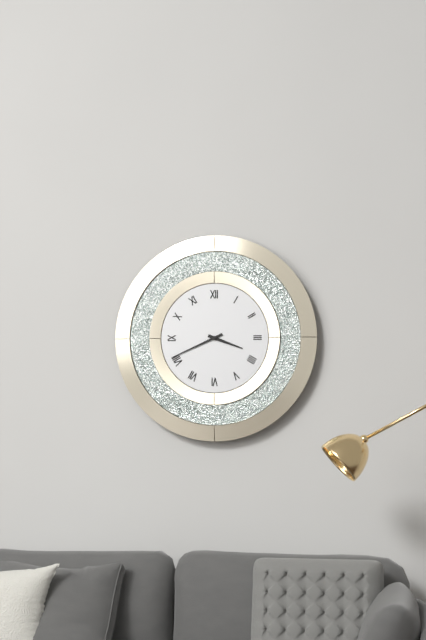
3:41
